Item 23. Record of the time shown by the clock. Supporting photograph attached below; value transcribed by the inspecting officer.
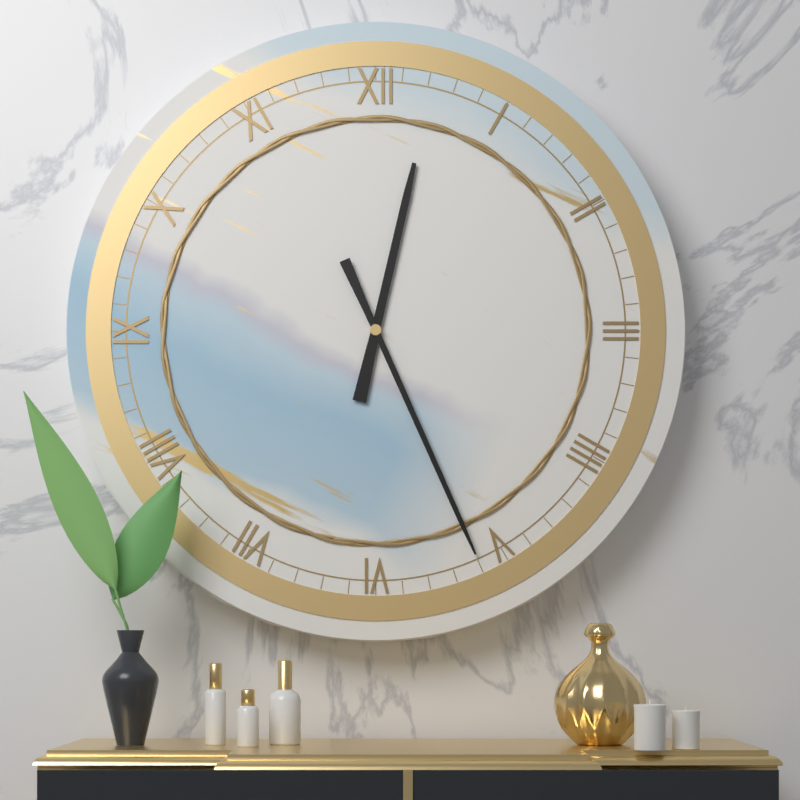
12:26
